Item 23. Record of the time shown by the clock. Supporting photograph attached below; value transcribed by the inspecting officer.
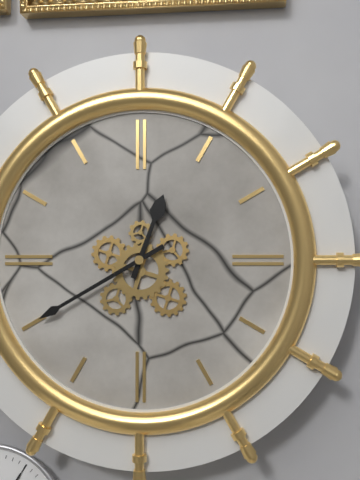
12:40
